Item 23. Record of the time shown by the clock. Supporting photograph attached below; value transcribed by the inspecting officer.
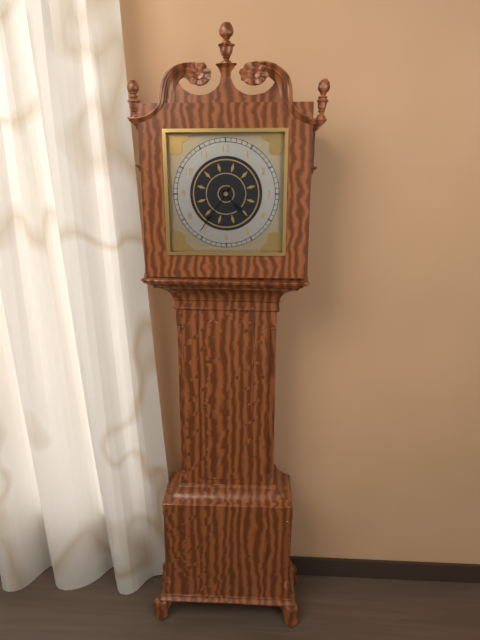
4:36
